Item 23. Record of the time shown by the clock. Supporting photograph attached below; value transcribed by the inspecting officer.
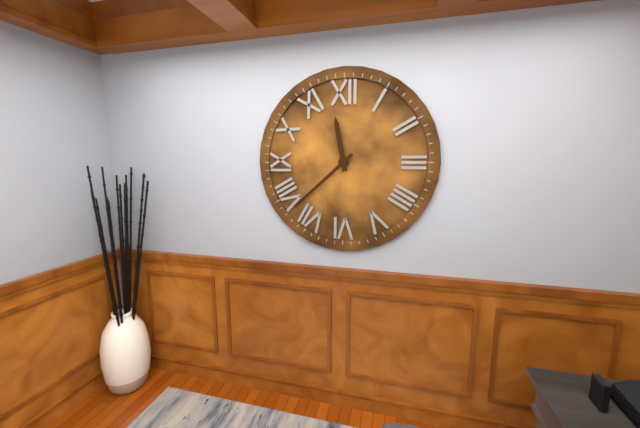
11:38
